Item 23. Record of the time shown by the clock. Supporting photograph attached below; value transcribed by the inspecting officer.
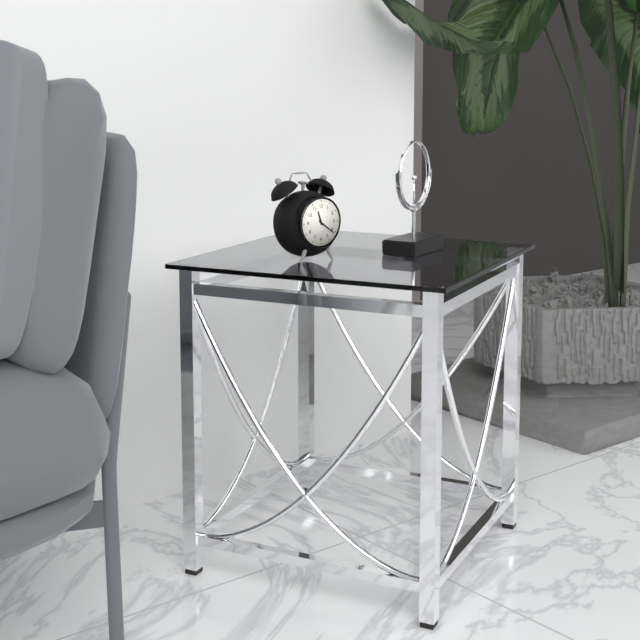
11:21
